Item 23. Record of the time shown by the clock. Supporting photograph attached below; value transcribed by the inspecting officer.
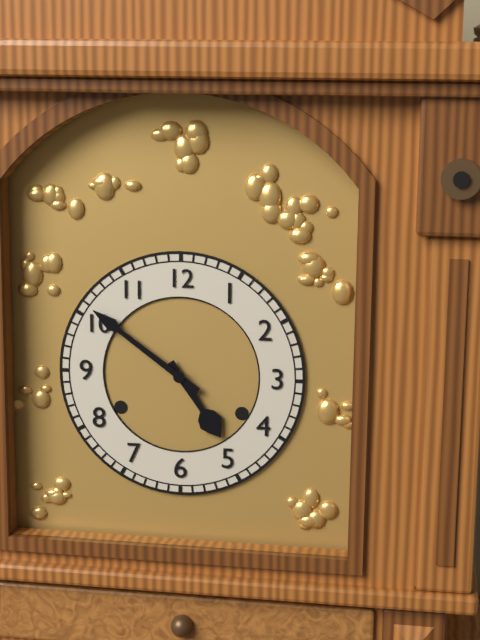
4:51
